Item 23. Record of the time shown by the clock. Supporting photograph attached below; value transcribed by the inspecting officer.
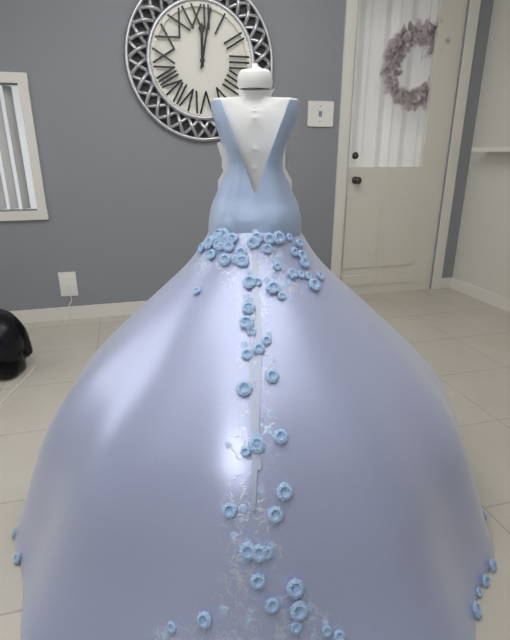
12:02
